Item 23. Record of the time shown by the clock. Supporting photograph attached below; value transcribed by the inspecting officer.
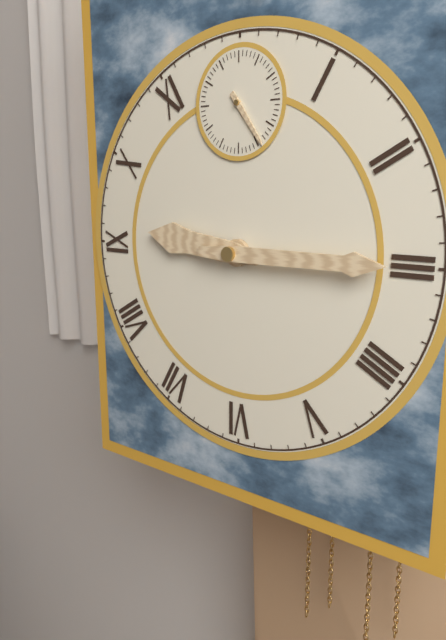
9:15:24
